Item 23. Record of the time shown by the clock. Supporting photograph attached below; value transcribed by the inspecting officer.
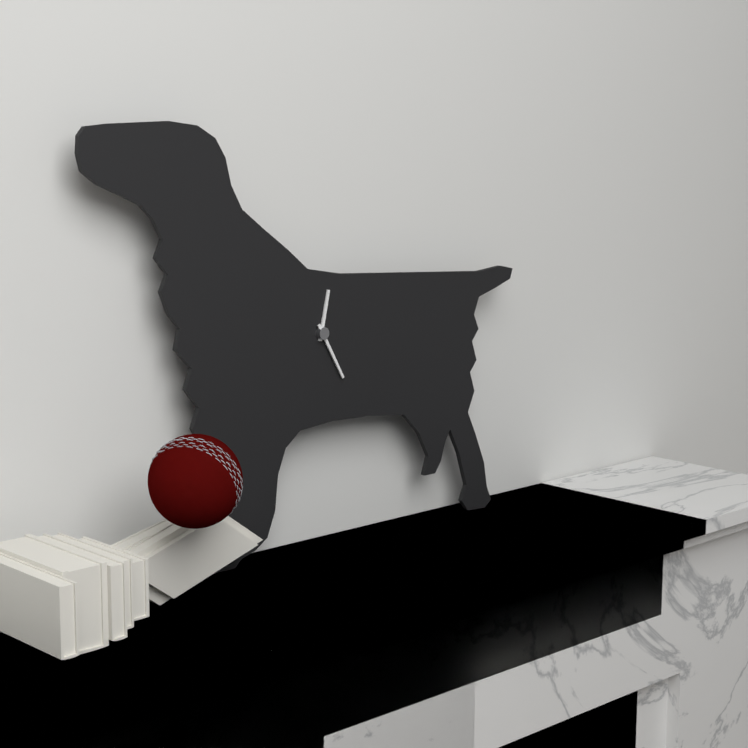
12:25
